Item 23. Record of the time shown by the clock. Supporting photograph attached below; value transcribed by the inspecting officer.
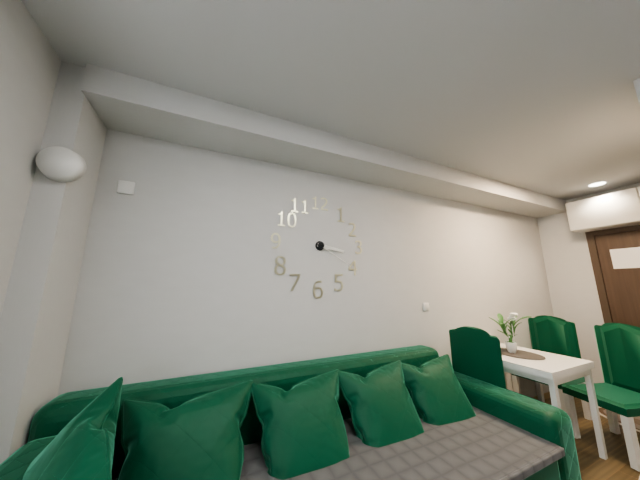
3:20
